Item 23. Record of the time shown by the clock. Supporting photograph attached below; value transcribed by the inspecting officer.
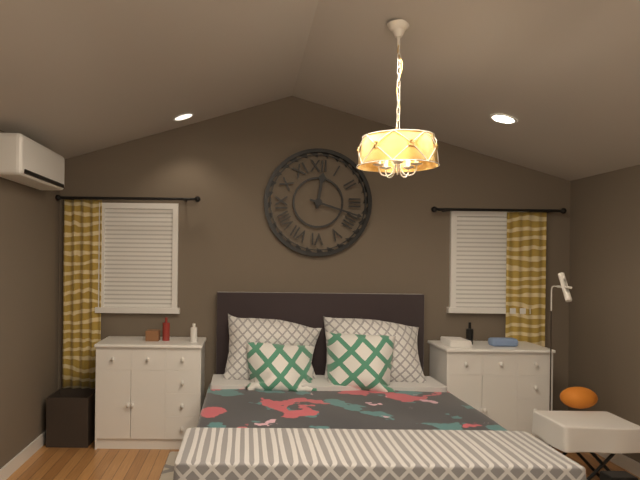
12:18
